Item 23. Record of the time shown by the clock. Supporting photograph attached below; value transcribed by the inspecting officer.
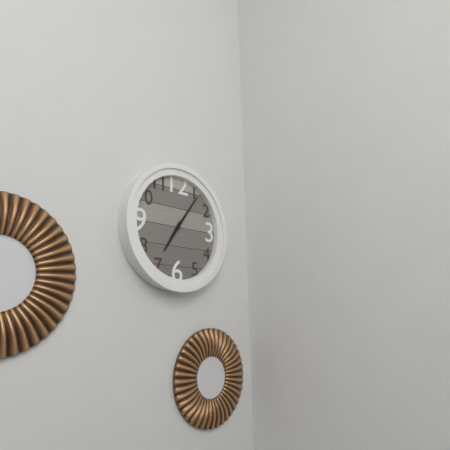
7:06
